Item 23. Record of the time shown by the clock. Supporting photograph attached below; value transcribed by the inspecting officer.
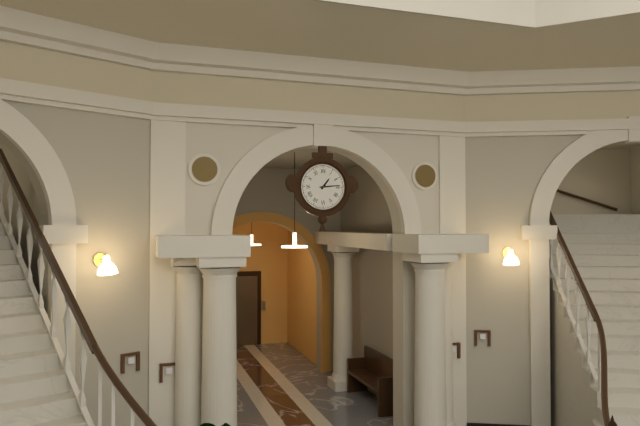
1:14
